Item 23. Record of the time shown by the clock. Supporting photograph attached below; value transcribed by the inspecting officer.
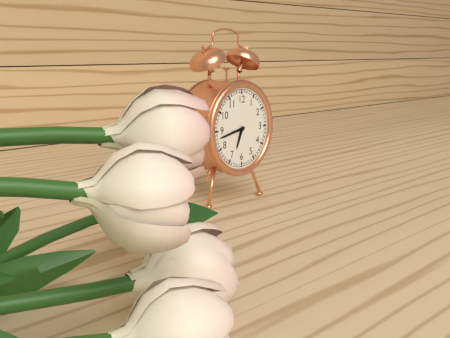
6:43
